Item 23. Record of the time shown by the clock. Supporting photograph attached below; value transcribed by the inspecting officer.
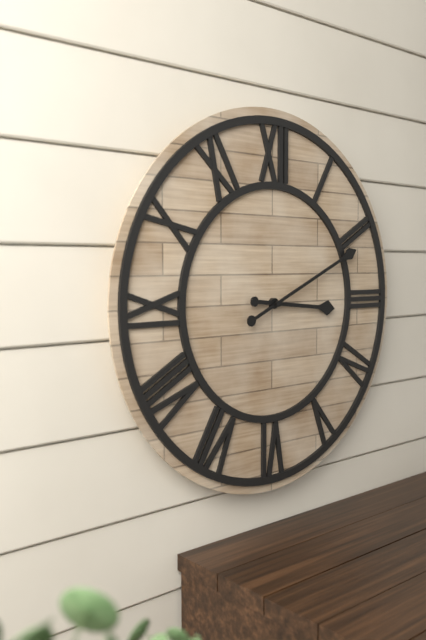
3:11
